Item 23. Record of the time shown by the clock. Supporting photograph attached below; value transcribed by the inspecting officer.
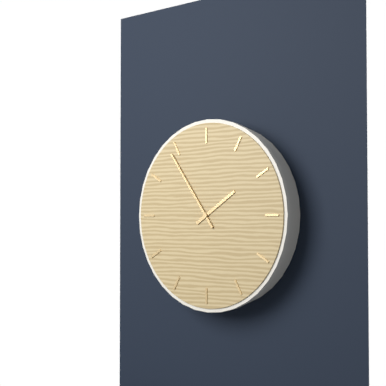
1:54
